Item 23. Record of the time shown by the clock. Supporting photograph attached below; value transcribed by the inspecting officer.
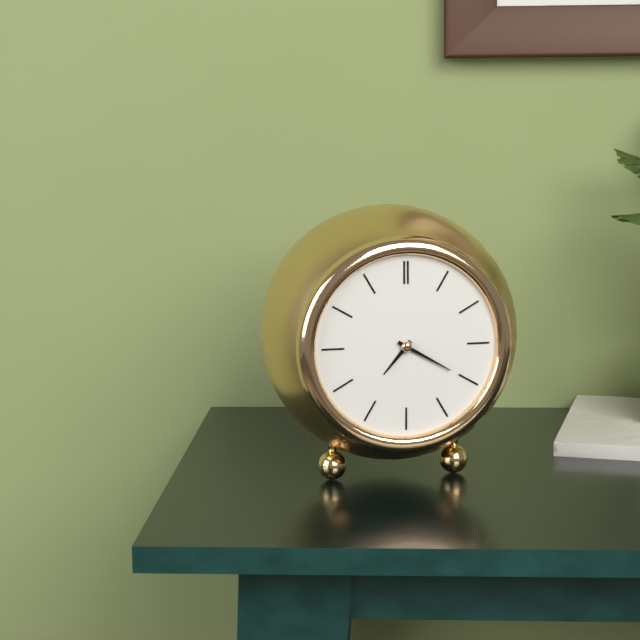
7:20
